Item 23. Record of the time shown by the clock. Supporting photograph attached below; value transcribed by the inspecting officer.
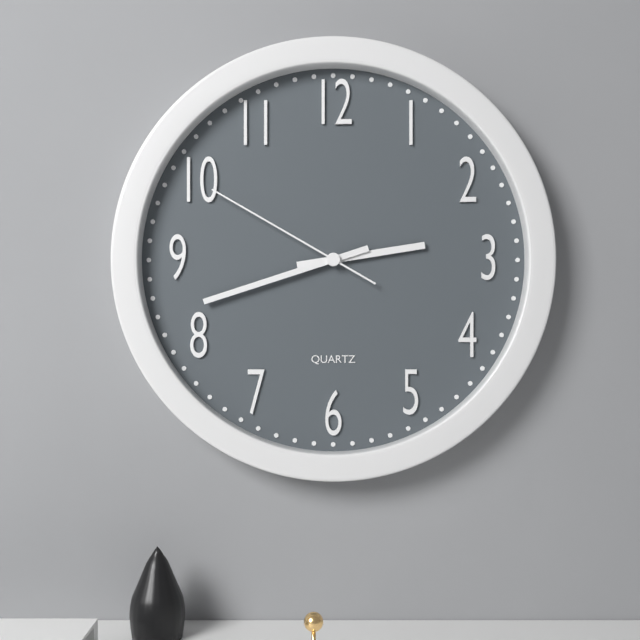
2:42:50
